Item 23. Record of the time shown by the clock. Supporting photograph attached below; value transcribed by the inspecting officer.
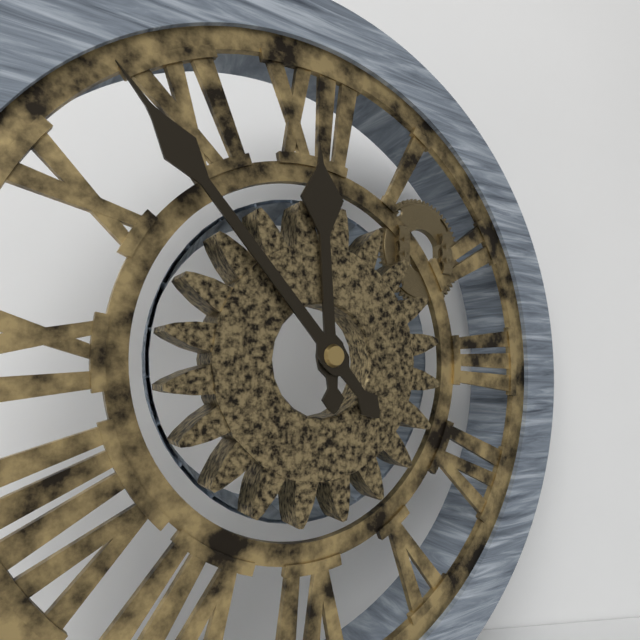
11:53
